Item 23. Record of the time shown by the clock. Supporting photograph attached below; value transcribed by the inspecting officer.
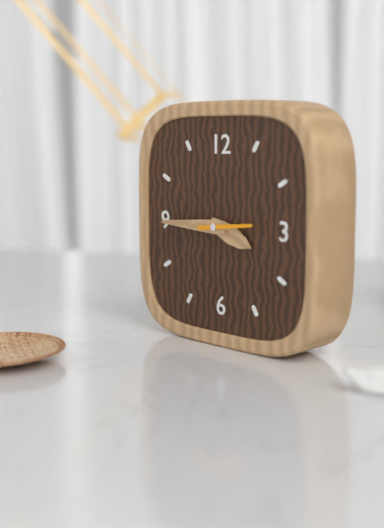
3:45
